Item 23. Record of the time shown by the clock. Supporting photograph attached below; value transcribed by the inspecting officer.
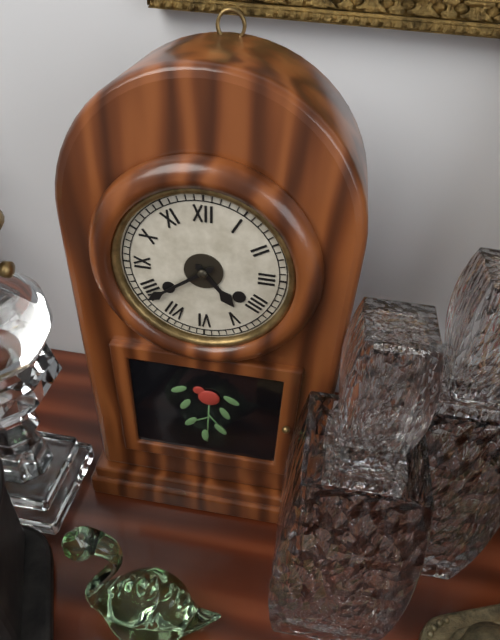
4:39
